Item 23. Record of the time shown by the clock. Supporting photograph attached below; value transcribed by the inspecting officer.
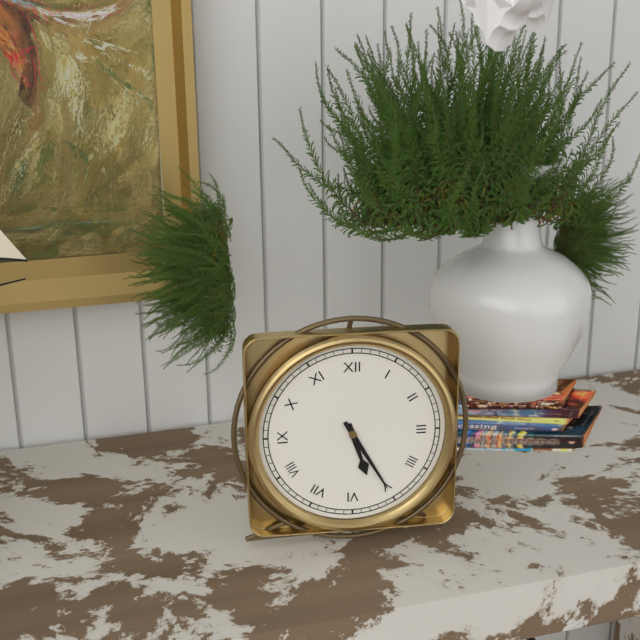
5:25
